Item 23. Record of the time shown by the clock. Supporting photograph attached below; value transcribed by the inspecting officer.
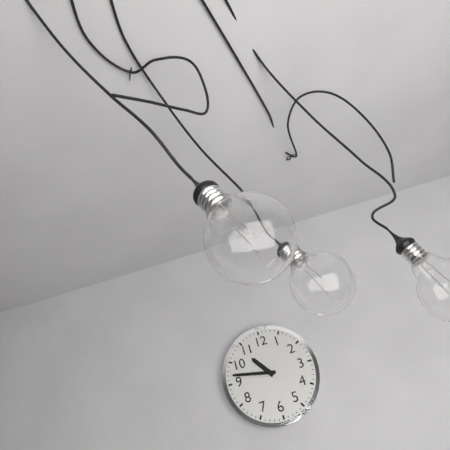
10:47
